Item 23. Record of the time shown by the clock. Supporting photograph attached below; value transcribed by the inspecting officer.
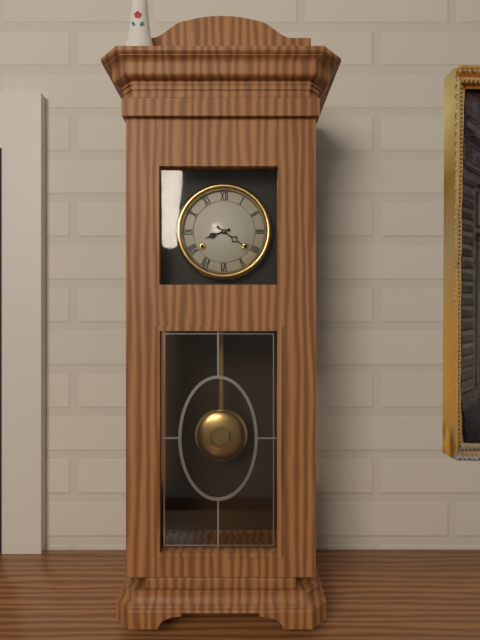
8:21
